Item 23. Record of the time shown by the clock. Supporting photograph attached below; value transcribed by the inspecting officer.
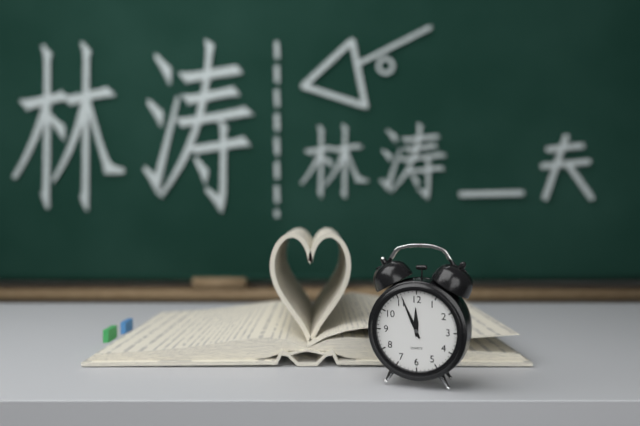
11:56
